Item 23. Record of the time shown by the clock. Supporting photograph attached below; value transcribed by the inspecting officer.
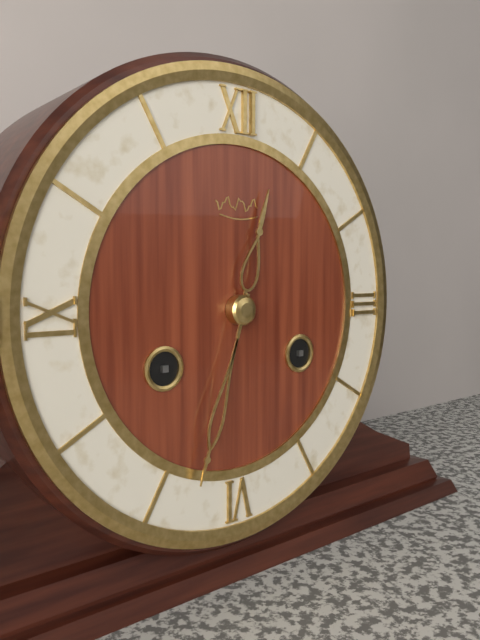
12:33
